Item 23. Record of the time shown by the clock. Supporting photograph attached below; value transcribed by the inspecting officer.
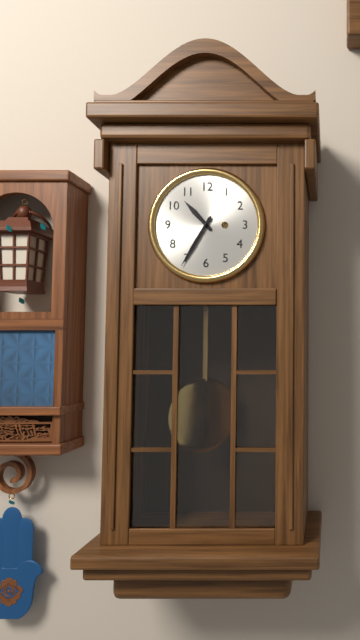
10:35
